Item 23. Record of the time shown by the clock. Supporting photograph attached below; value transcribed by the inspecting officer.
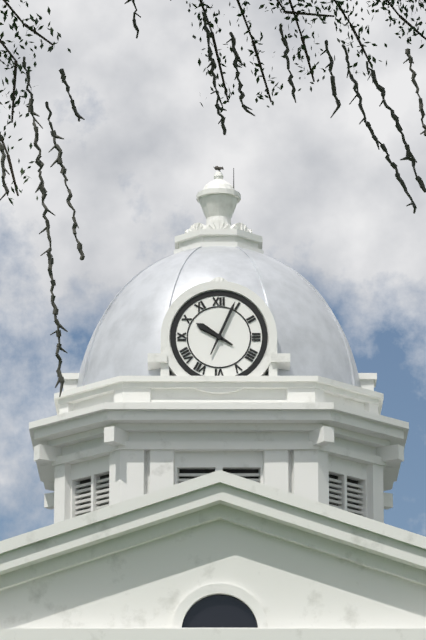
10:04
